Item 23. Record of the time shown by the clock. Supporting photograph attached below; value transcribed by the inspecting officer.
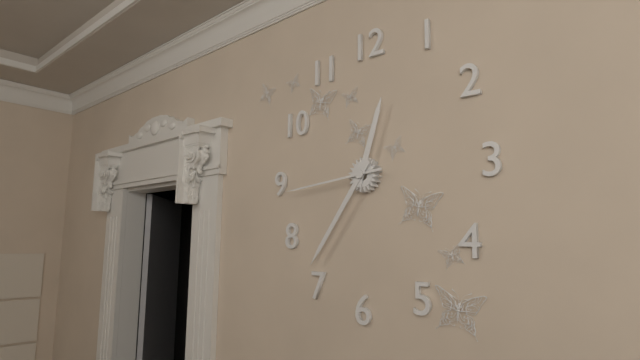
12:36:44
